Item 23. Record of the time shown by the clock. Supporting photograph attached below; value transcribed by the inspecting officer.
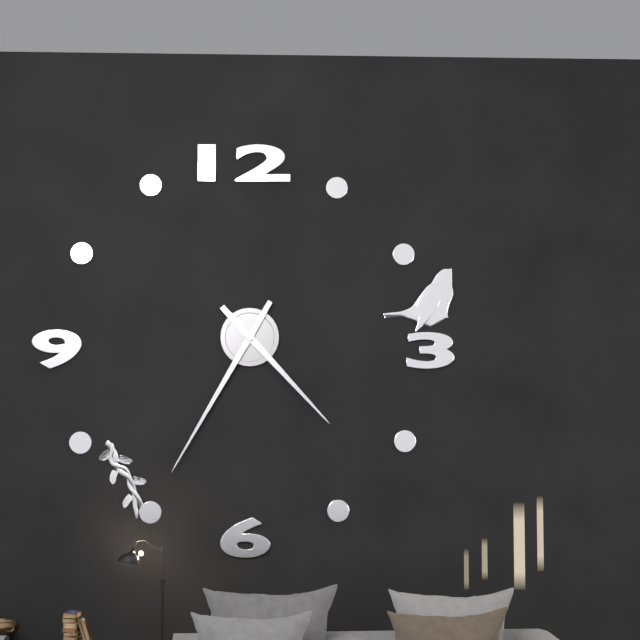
4:35
